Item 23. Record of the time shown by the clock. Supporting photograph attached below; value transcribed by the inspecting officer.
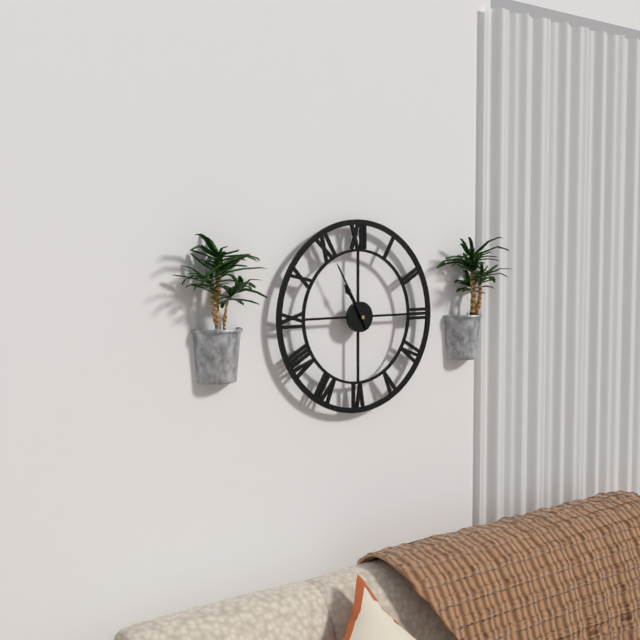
10:55
